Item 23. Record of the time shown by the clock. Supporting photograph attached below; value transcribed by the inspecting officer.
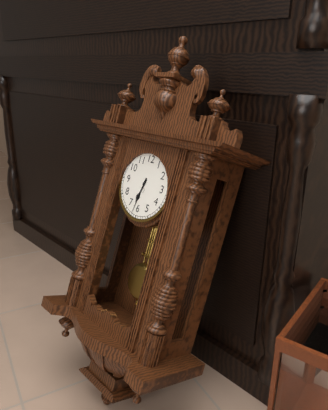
6:32
